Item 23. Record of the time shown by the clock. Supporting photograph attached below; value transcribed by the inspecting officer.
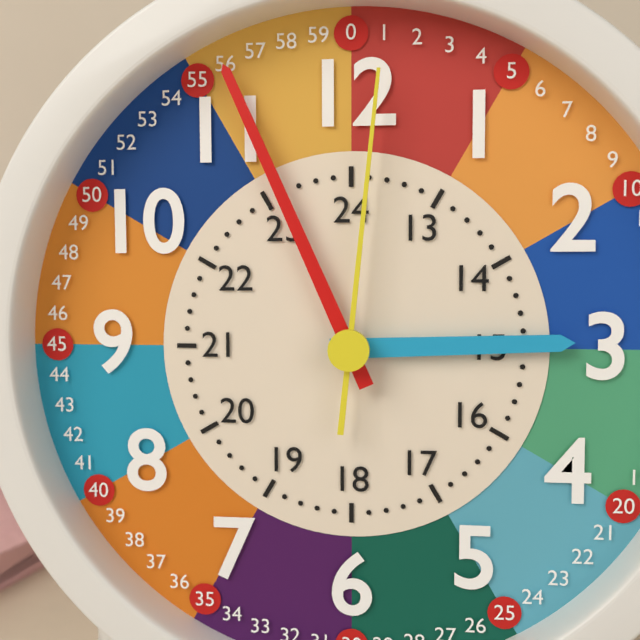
2:56:01
